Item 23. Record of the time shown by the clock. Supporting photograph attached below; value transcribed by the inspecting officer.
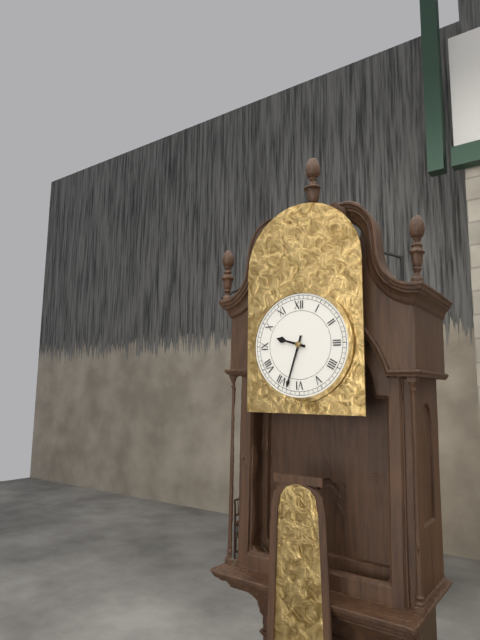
9:33
